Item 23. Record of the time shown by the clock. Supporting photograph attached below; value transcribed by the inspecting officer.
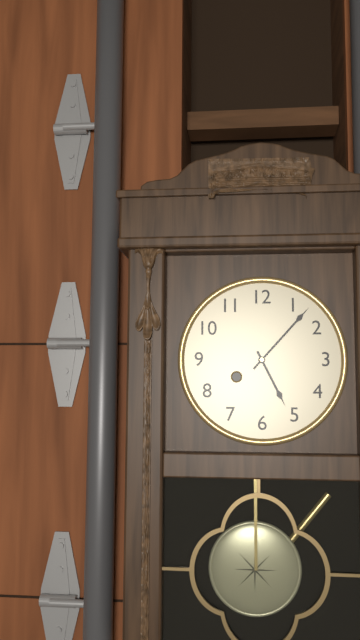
5:07
